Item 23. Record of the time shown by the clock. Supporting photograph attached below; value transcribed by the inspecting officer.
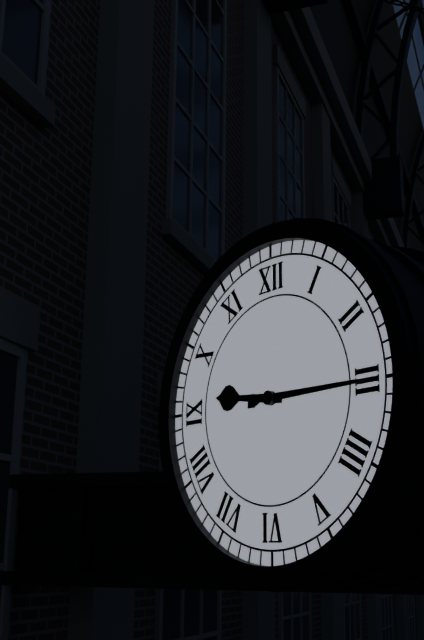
9:15
